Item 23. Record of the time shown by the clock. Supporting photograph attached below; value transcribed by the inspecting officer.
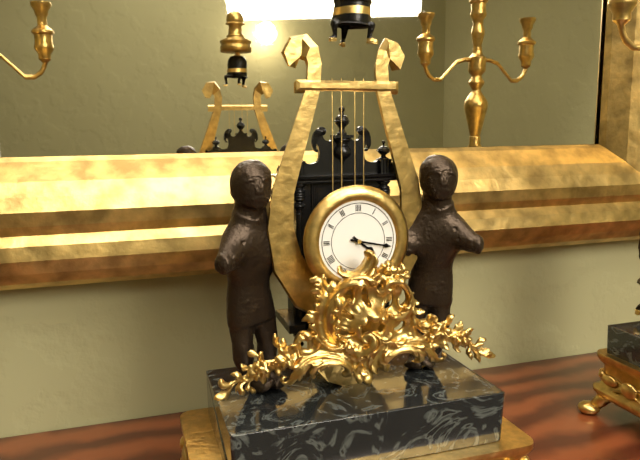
4:17
